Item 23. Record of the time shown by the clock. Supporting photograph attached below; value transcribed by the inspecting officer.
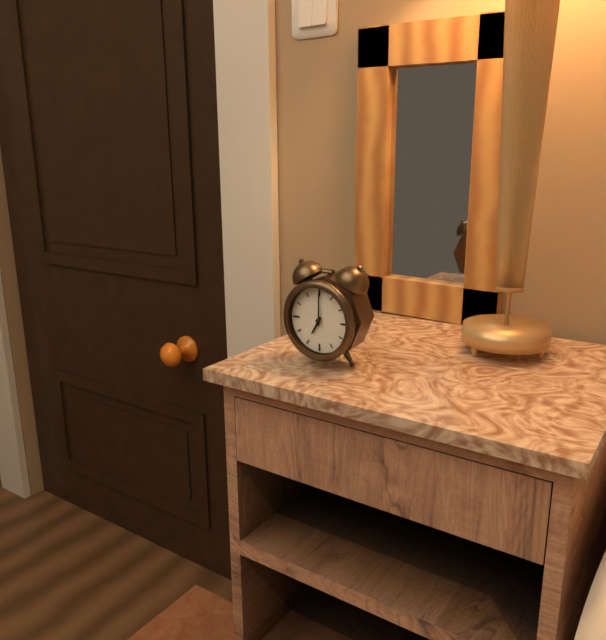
7:00
